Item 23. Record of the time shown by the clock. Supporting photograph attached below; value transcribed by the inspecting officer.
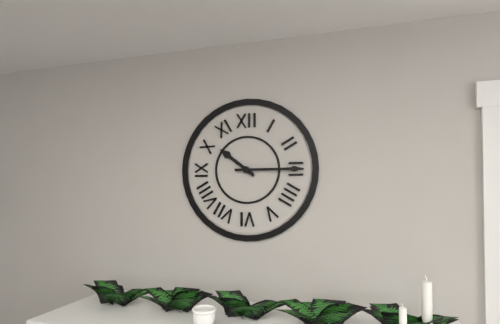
10:15
